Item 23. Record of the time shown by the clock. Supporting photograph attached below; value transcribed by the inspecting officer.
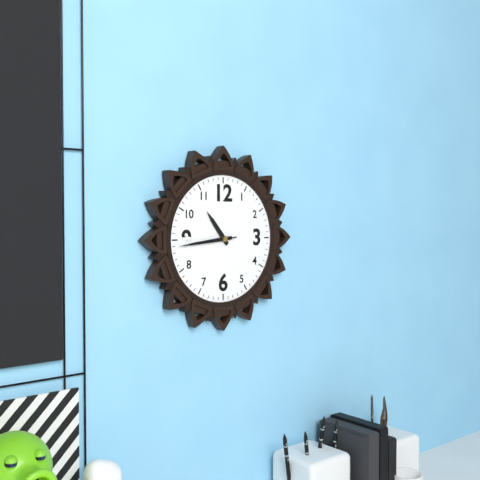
10:44:44
